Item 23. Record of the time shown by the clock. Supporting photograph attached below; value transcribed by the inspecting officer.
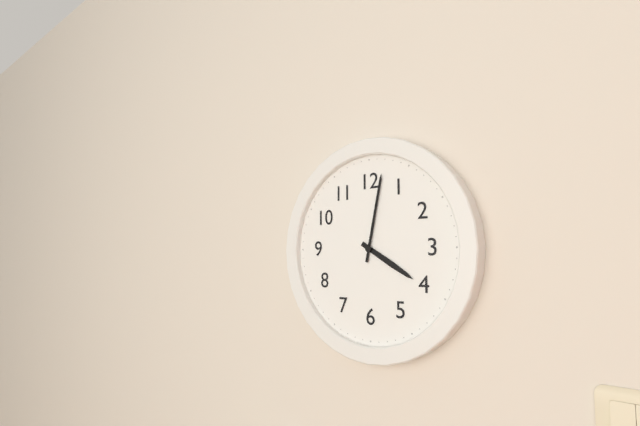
4:02
